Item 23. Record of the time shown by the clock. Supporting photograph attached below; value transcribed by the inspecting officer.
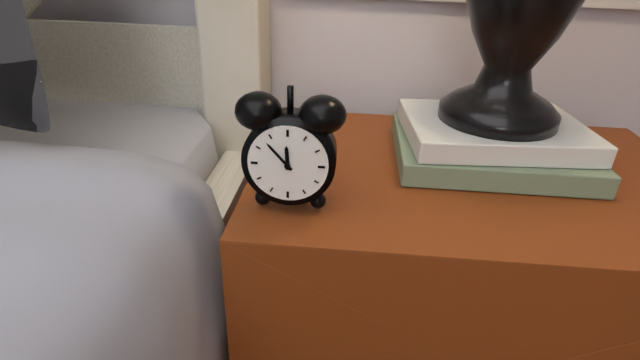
11:53
